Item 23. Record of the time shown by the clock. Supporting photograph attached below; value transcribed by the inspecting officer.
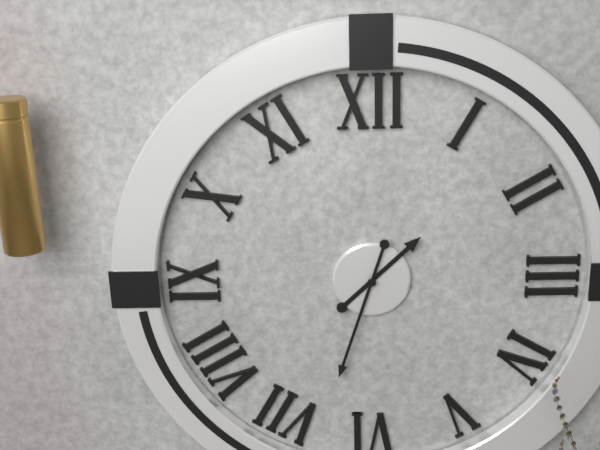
1:33
